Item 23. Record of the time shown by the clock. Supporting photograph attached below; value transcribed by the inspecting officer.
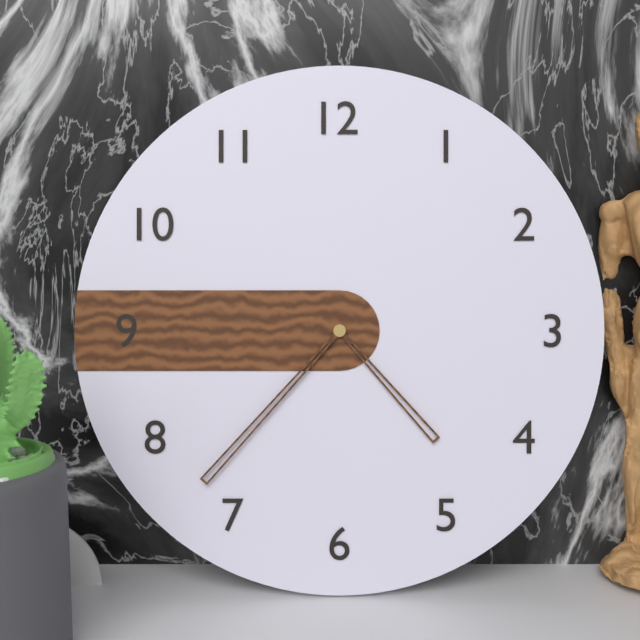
4:37
